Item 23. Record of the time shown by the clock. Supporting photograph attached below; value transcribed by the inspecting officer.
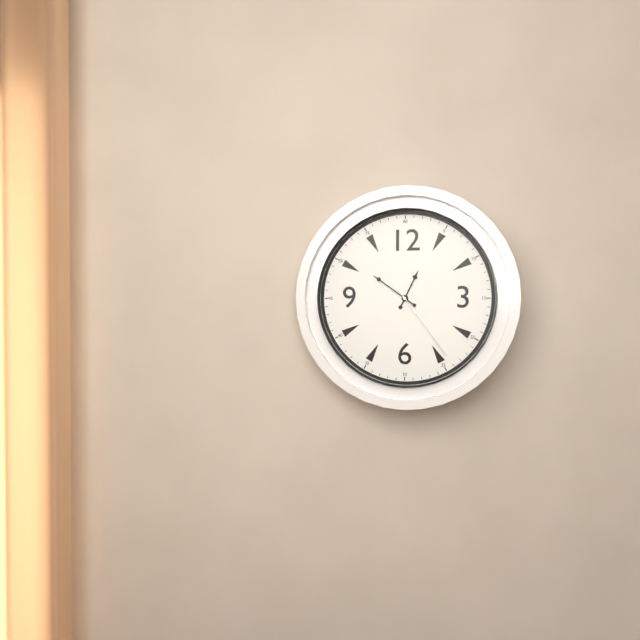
12:51:24
